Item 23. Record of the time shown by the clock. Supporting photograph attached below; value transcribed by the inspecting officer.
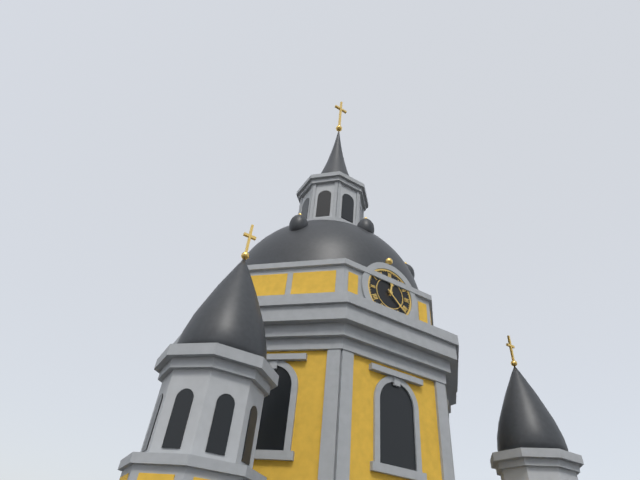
12:22
